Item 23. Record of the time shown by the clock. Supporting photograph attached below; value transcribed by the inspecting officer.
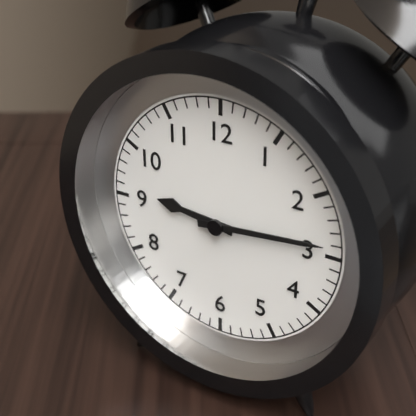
9:14
